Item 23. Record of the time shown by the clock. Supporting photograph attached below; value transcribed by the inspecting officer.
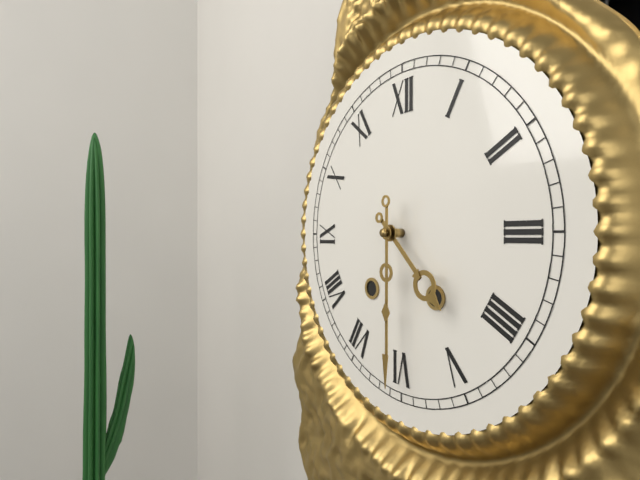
4:30
